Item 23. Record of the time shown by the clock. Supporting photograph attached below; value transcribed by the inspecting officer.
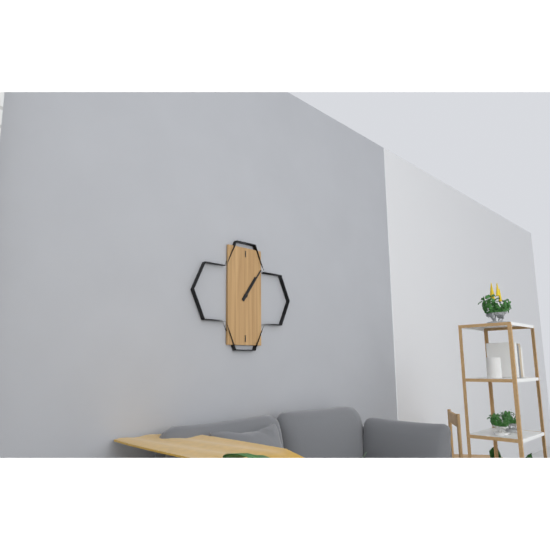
1:06
